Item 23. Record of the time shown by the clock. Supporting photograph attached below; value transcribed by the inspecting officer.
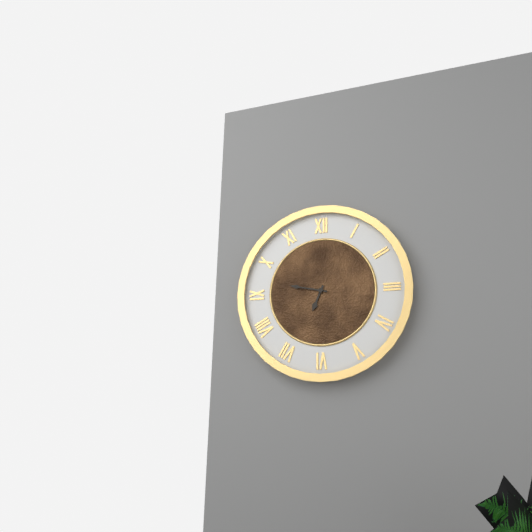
6:47
